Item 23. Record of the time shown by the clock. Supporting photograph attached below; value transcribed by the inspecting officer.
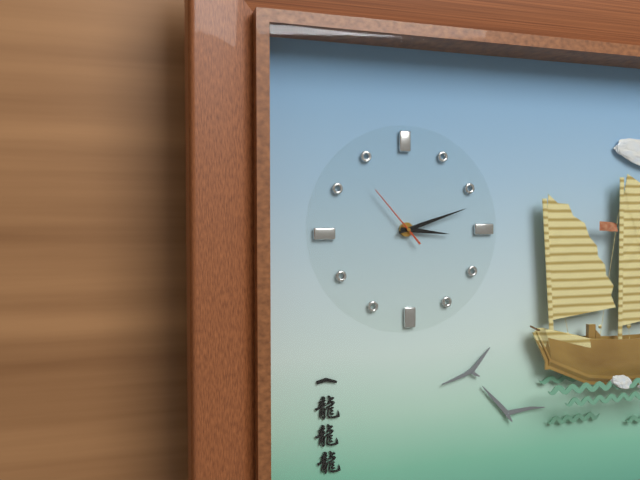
3:12:53
